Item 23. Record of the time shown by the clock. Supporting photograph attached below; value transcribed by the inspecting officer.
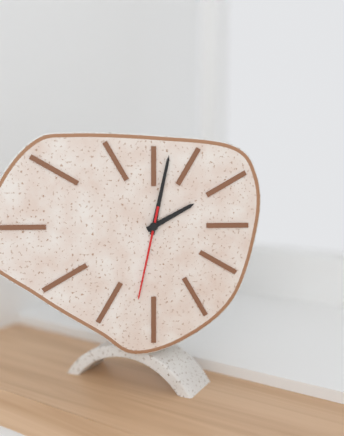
2:02:32
